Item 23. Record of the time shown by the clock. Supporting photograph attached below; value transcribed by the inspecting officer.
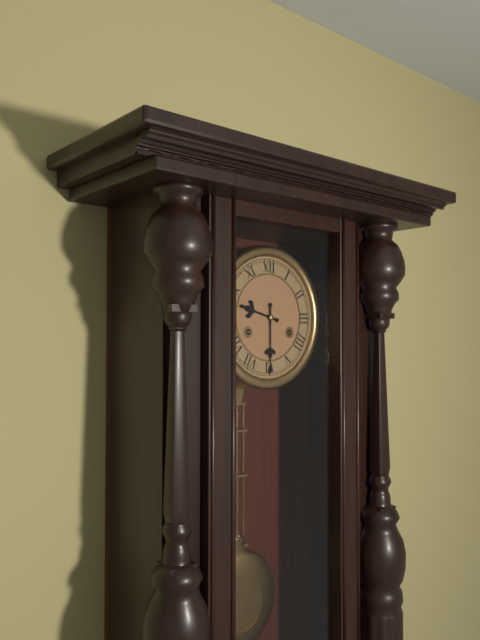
9:30
